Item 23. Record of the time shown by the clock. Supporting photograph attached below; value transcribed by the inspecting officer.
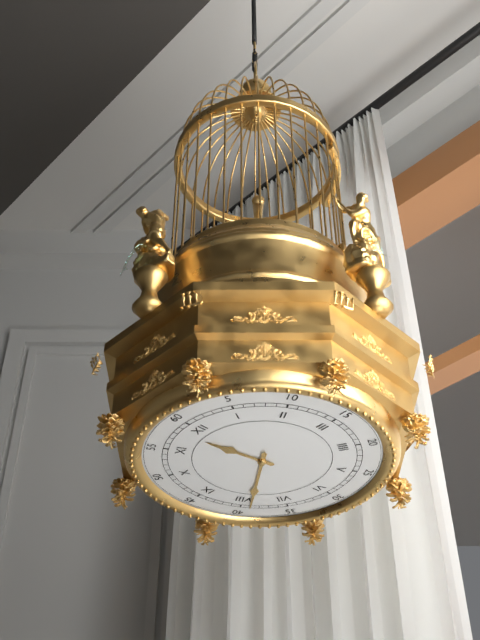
11:39
